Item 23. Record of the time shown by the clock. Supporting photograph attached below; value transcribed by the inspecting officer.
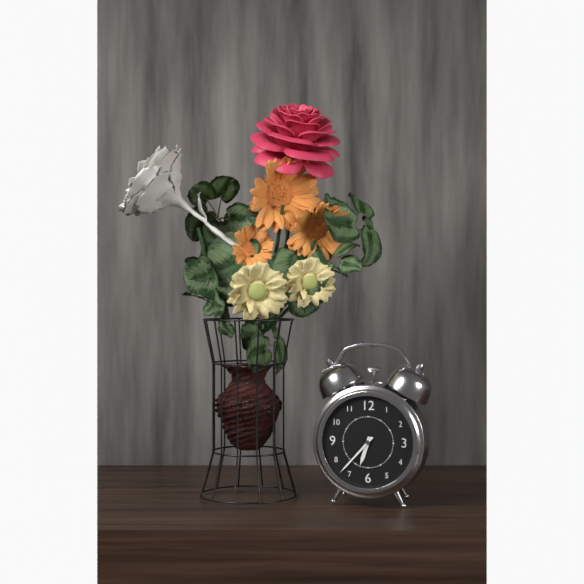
6:37
